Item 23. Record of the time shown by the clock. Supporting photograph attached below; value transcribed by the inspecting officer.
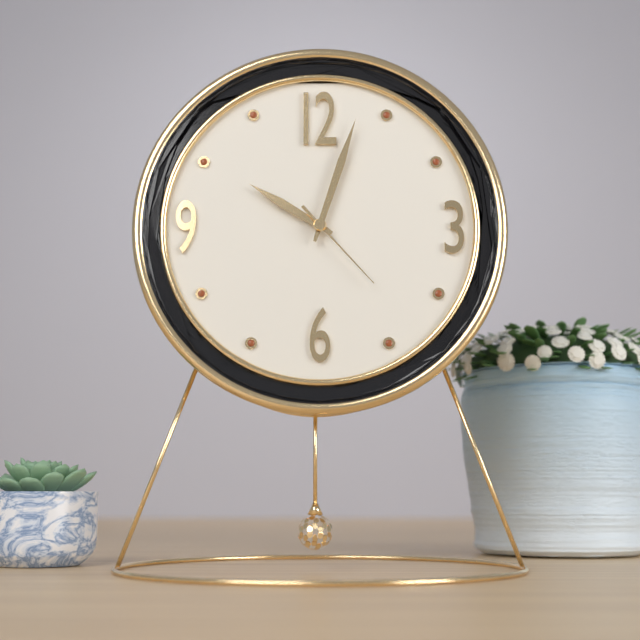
10:03:23
